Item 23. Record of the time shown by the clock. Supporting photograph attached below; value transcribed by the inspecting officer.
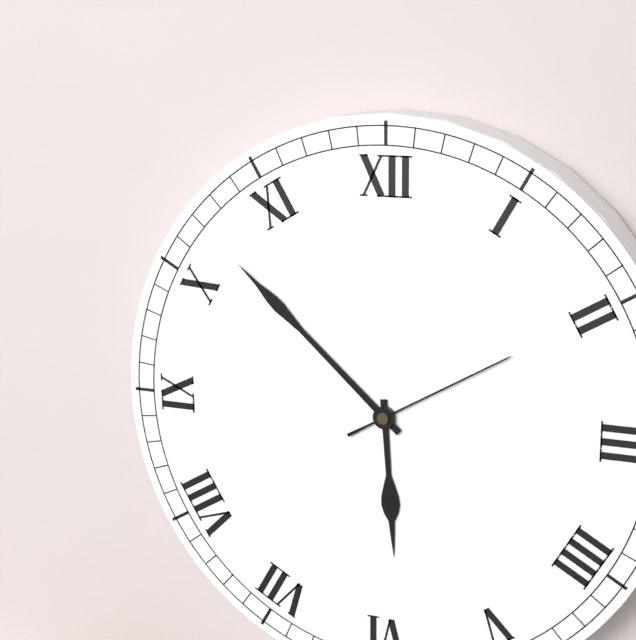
5:52:10
